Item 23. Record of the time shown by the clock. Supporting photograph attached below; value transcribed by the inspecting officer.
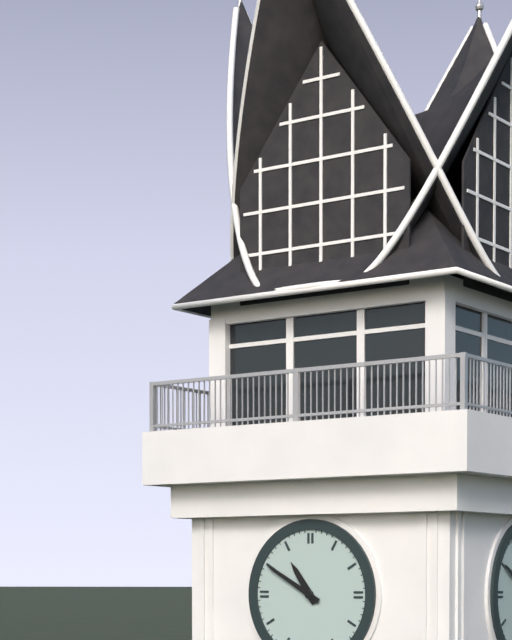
10:50
